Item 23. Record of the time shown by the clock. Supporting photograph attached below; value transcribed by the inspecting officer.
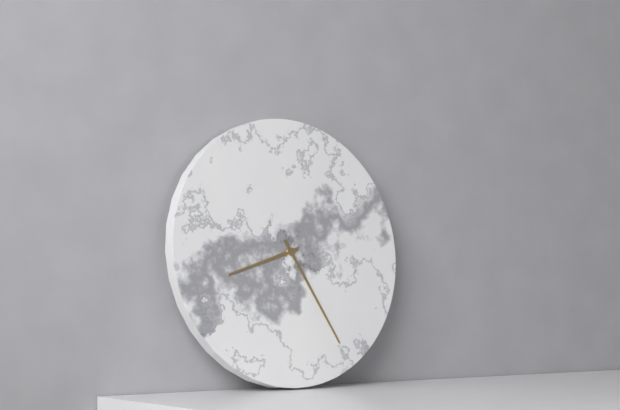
8:25
